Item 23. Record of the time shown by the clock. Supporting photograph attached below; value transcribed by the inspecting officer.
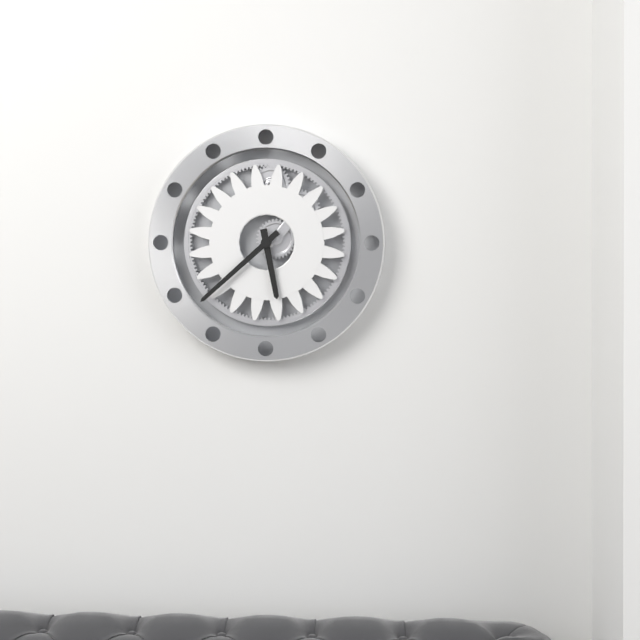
5:38
